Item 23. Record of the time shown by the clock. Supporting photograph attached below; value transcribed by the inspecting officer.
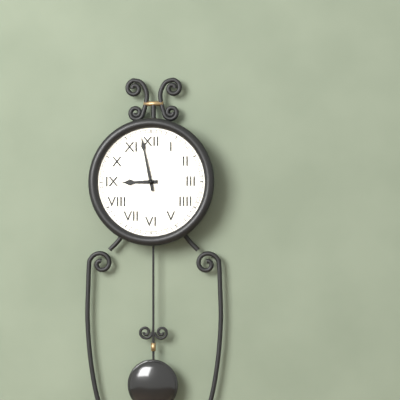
8:58
